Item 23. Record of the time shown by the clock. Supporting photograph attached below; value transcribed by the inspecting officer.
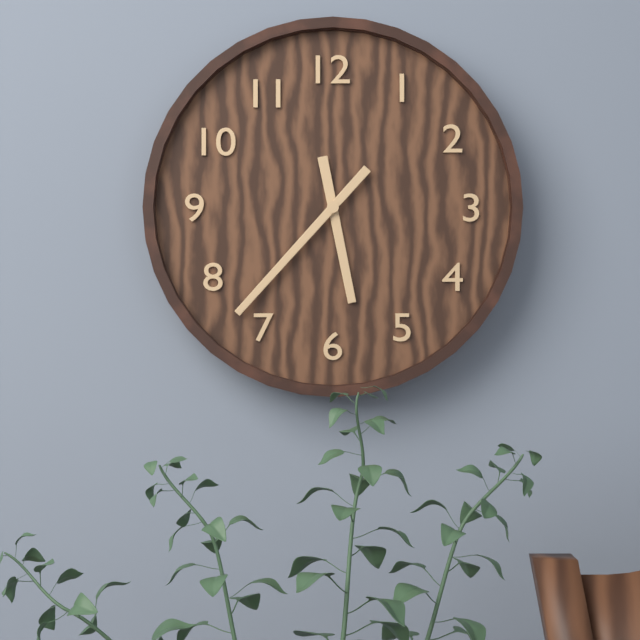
5:37
